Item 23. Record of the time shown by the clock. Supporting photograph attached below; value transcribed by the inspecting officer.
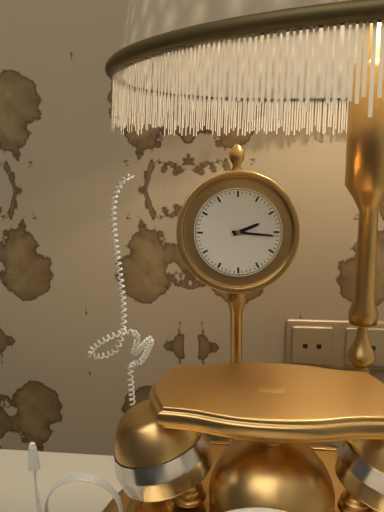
2:16
